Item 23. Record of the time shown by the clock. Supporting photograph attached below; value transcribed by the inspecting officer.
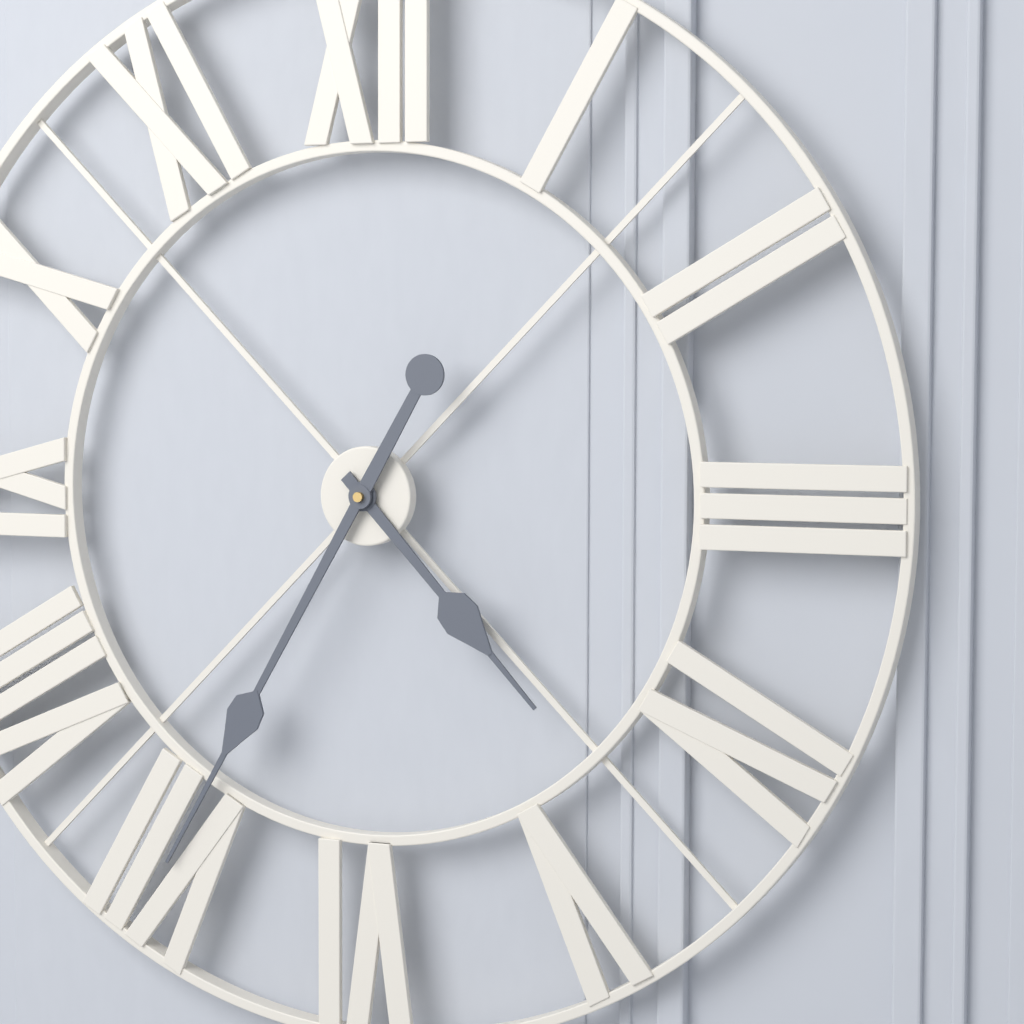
4:35
